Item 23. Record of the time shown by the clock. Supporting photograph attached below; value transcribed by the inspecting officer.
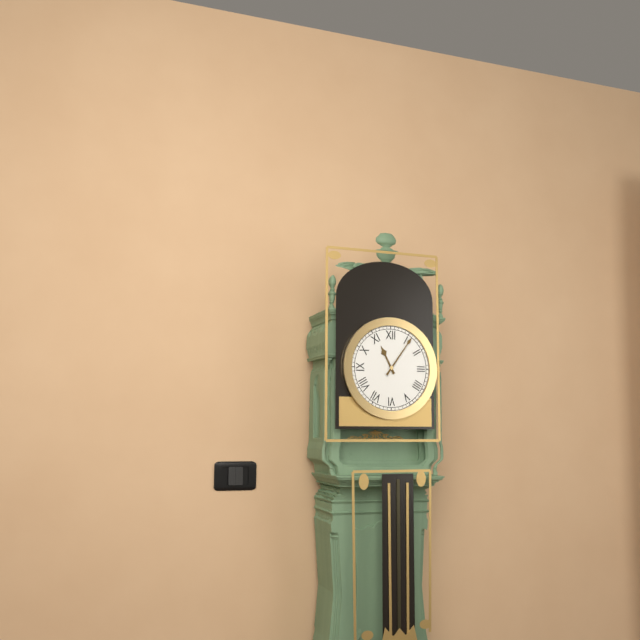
11:06
